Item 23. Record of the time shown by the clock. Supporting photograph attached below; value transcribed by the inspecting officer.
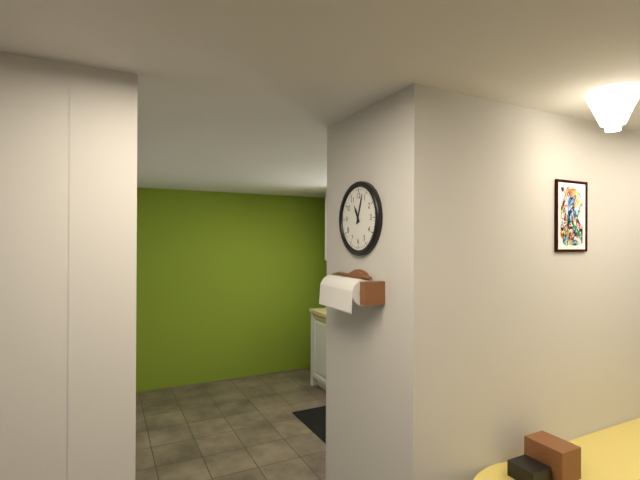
11:03
